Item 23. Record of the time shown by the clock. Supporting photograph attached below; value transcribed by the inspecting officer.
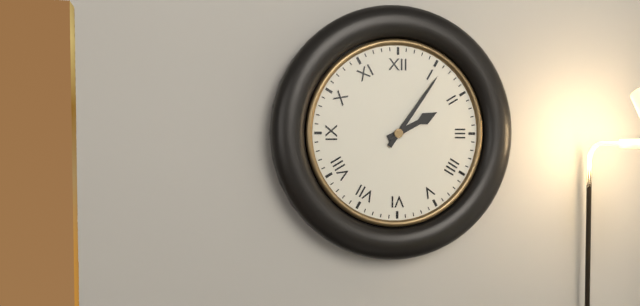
2:06
